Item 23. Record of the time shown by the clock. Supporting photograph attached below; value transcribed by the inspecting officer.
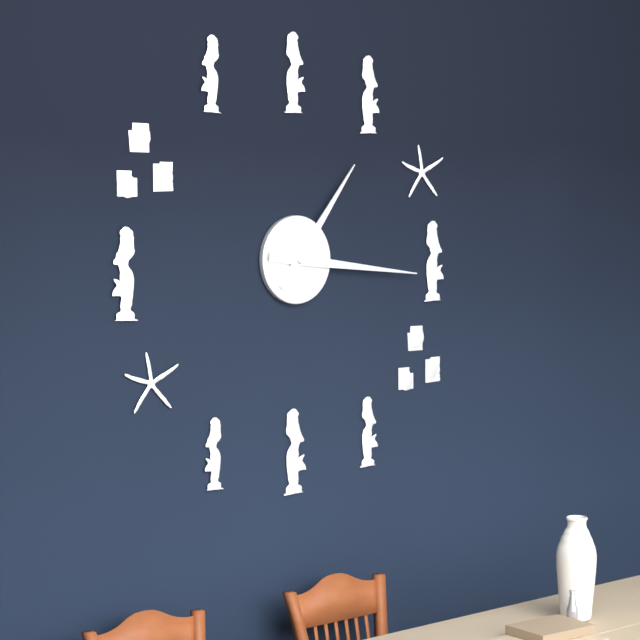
1:16
